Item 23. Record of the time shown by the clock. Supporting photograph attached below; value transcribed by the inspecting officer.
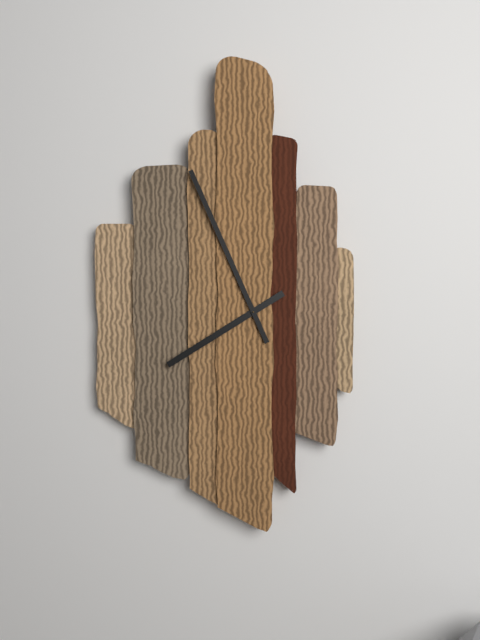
7:56
